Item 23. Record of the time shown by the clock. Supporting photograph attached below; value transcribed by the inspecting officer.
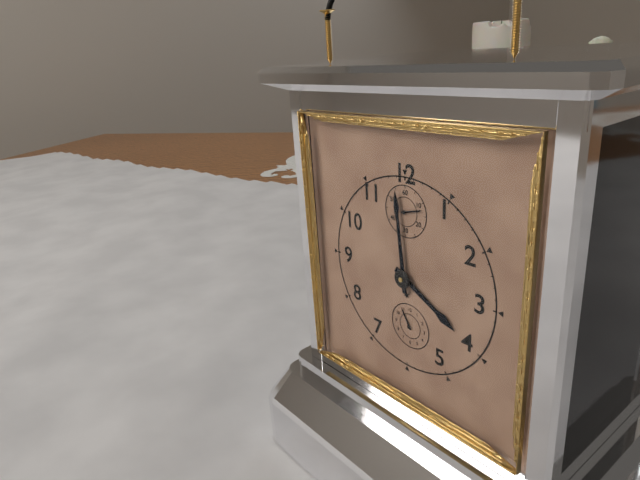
3:59
